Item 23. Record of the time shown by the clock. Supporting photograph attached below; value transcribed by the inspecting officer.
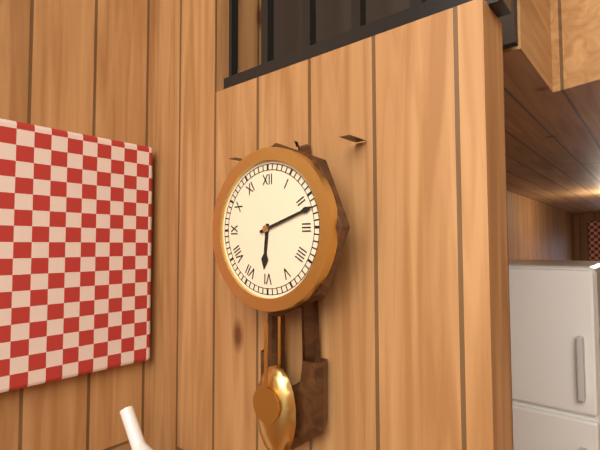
6:12
